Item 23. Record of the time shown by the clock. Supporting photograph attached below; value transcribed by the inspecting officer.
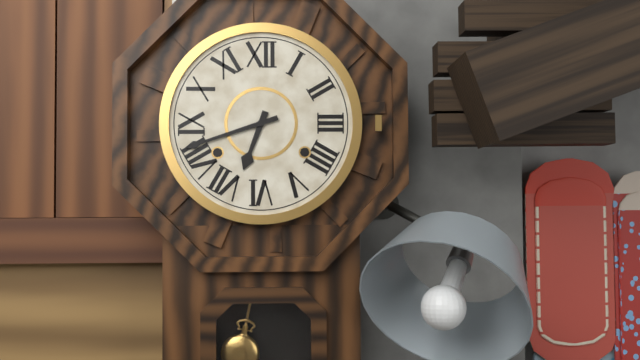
6:42
